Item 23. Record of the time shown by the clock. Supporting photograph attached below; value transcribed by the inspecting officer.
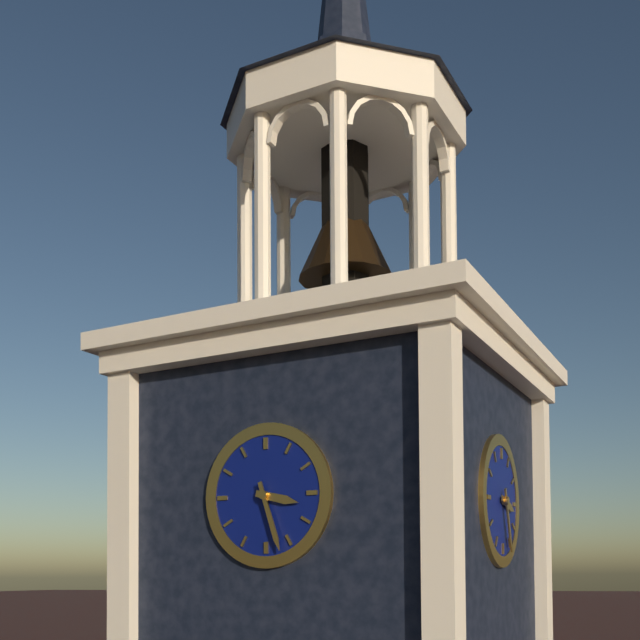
3:27
